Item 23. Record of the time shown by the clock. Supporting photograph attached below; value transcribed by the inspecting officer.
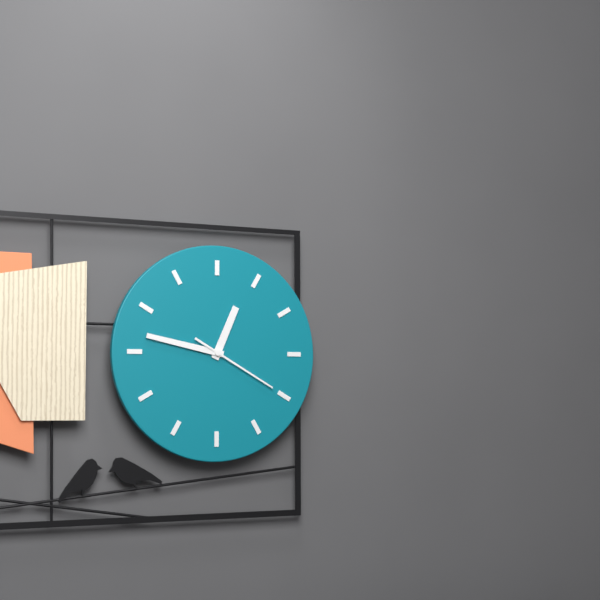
12:47:20
